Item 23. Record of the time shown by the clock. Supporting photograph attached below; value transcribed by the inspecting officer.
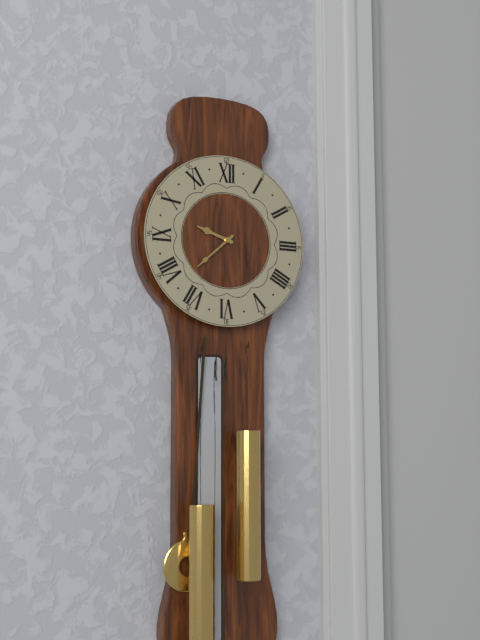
9:38
